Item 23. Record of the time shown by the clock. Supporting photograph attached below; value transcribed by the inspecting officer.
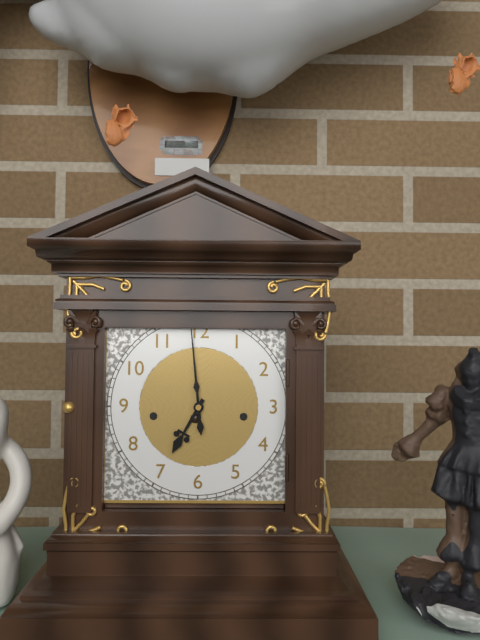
6:59
